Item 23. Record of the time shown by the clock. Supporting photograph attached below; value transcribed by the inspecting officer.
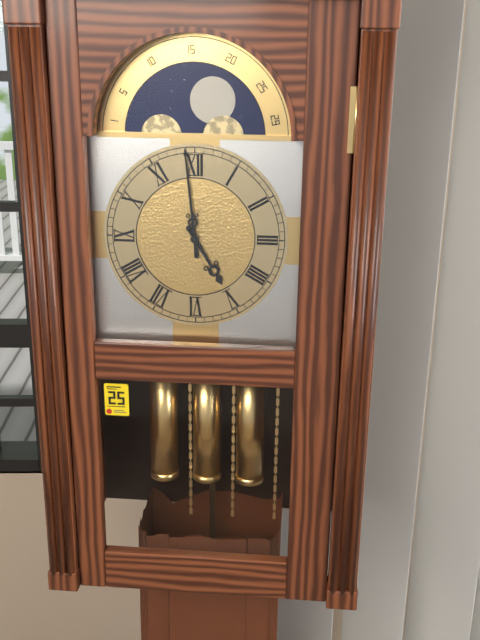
4:59
